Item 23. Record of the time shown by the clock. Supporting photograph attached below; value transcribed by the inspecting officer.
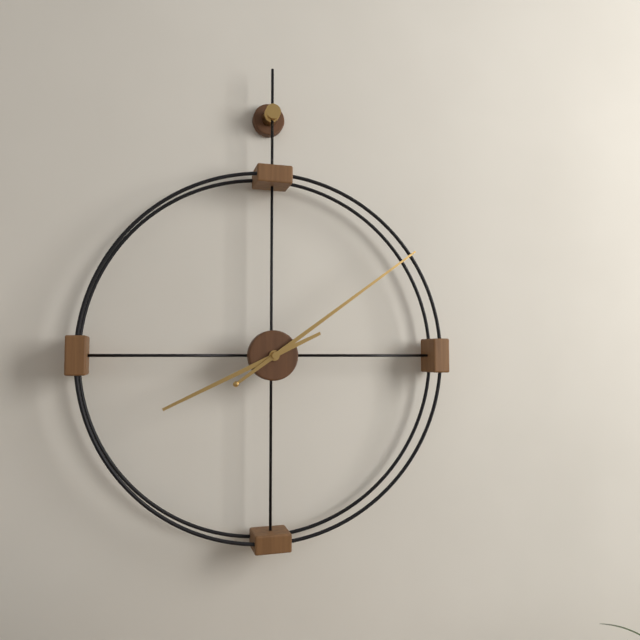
8:09
